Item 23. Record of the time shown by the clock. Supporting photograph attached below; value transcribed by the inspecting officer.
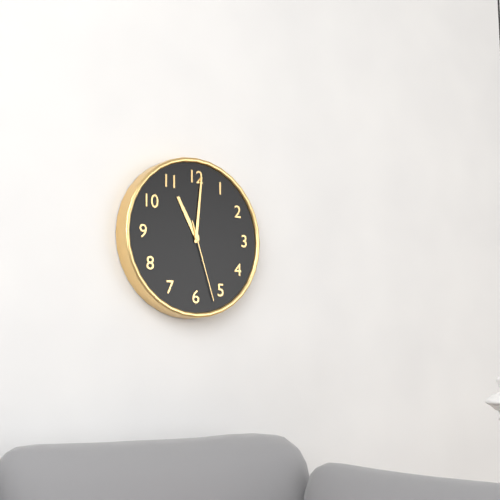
11:01:27
